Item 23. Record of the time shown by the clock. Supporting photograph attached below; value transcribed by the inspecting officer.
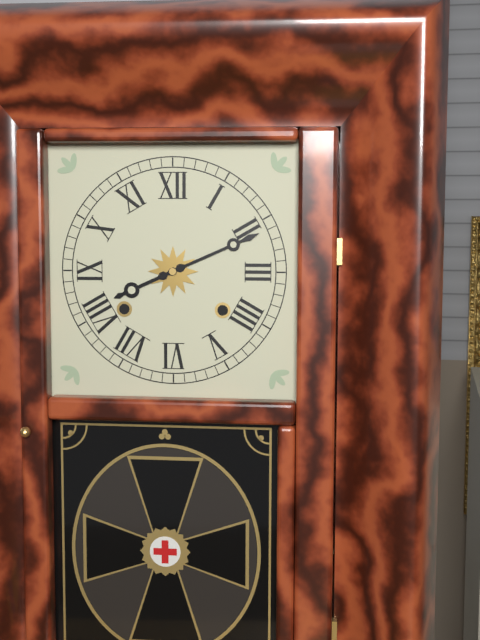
8:11
